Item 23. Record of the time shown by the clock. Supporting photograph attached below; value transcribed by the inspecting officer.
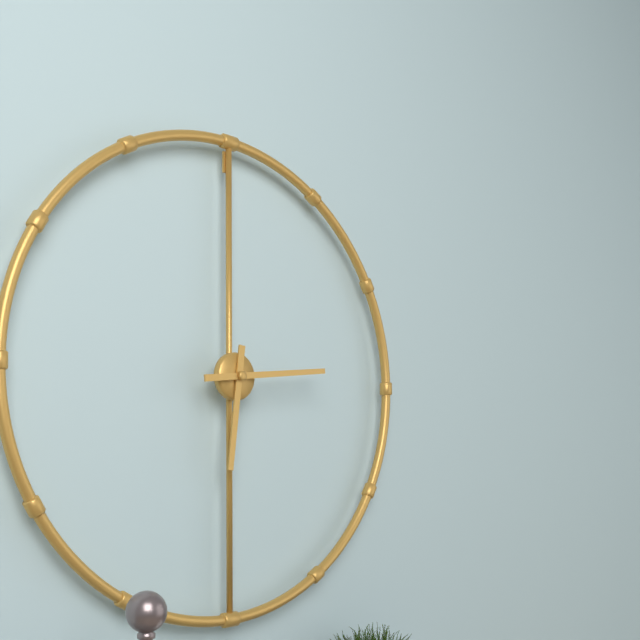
6:14
